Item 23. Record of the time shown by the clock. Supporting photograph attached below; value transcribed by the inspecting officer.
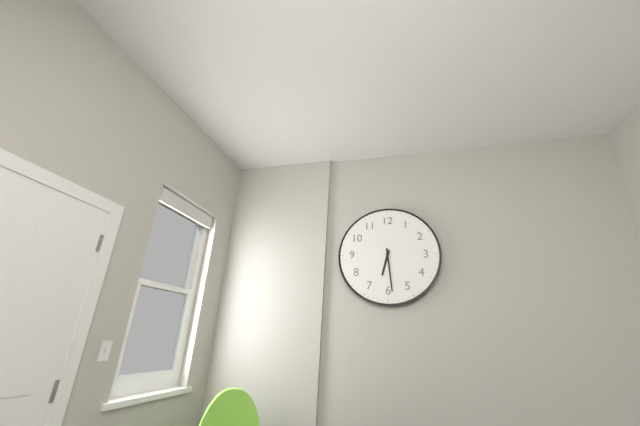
6:29
